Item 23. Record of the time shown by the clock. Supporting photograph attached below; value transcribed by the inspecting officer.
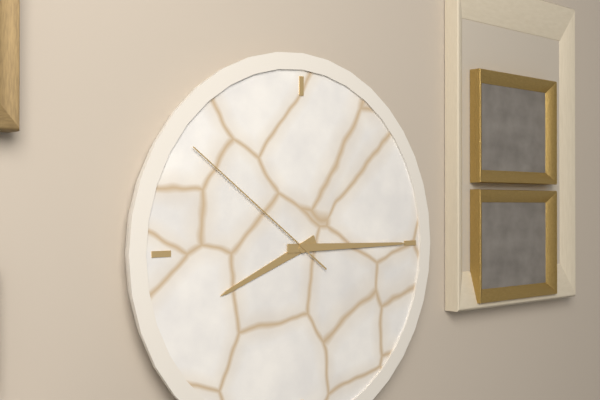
8:15:51
